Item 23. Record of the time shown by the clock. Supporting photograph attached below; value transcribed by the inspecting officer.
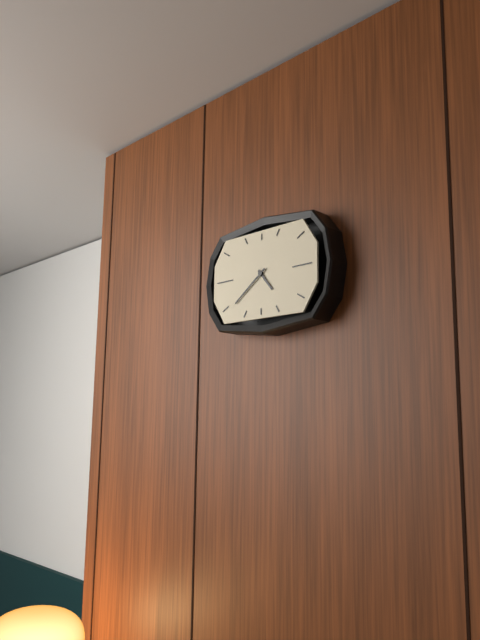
4:39
